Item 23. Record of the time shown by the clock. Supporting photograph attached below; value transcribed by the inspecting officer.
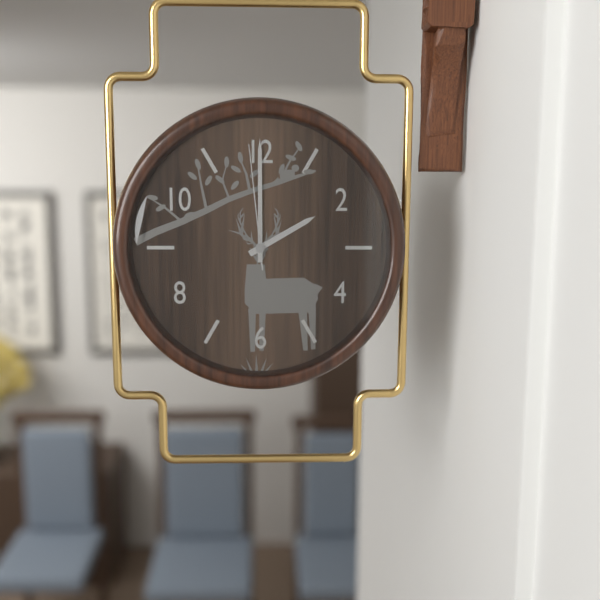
2:00:59
